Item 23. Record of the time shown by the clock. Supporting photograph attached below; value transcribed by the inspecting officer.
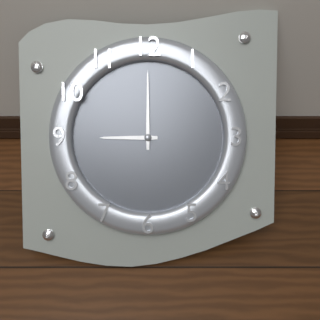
9:00
